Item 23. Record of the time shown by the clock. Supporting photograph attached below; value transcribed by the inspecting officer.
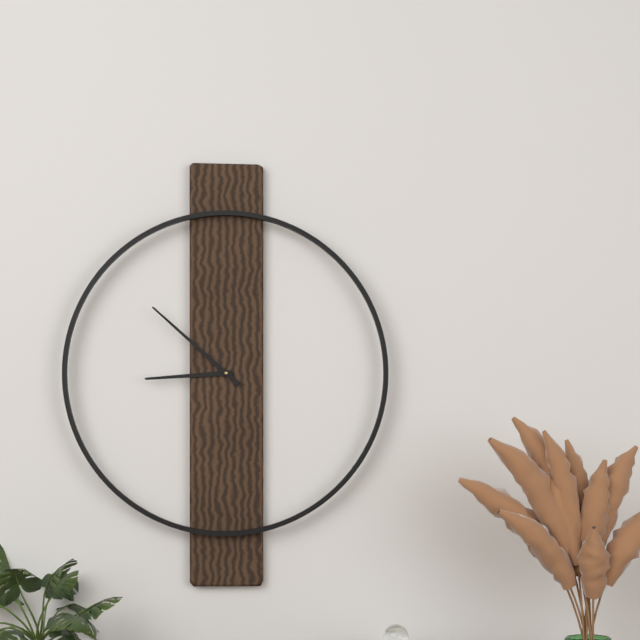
8:52
